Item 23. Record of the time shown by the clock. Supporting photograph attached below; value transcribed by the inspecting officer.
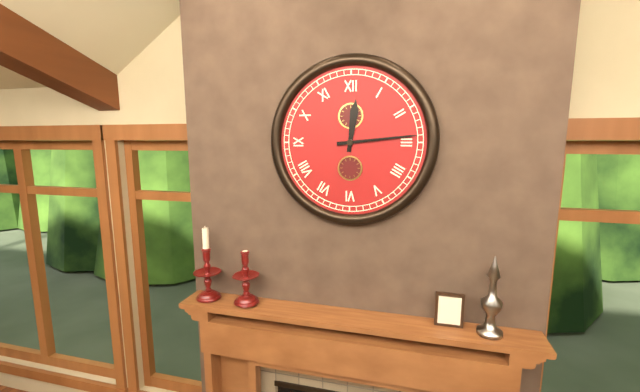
12:14
